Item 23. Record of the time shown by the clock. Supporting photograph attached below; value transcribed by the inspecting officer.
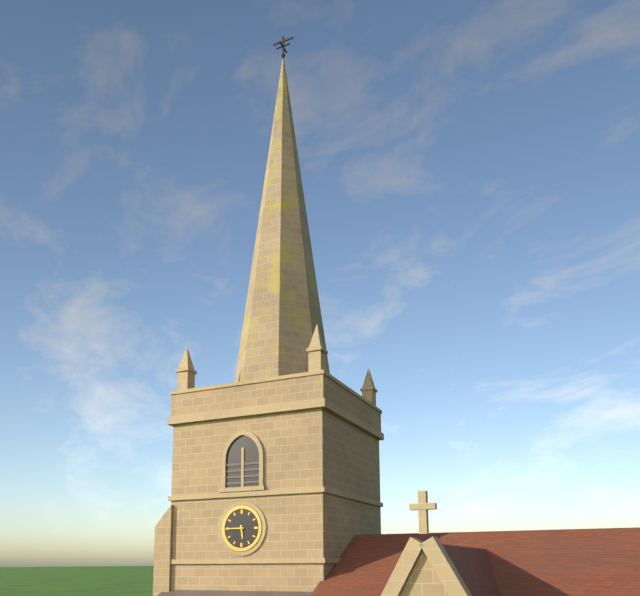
5:45
